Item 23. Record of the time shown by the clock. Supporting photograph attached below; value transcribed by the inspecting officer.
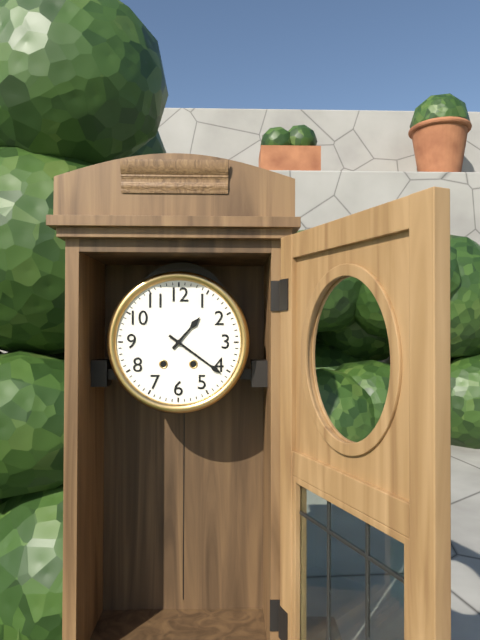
1:21
